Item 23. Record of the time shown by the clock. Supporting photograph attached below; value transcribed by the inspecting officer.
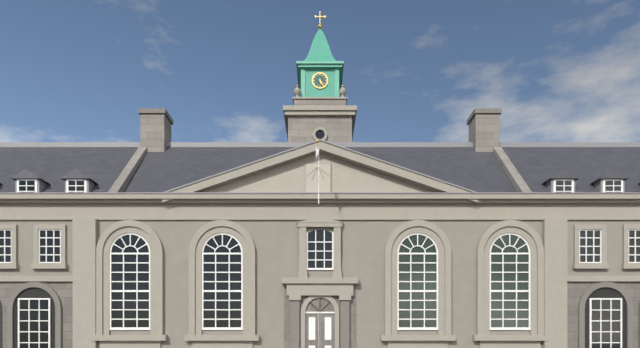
5:24
